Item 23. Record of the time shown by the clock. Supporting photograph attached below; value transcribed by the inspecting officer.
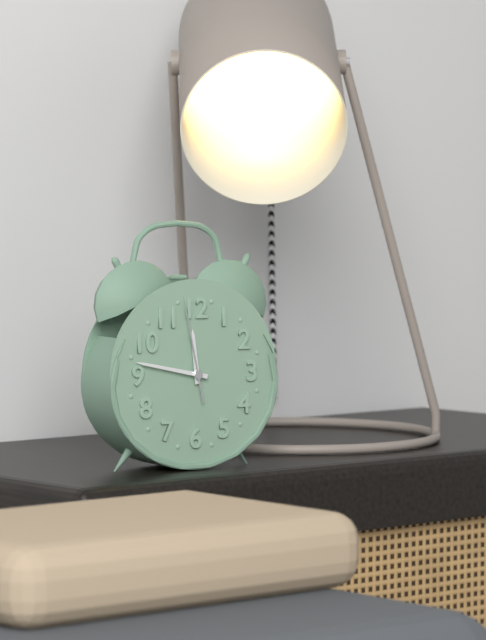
11:47:58
